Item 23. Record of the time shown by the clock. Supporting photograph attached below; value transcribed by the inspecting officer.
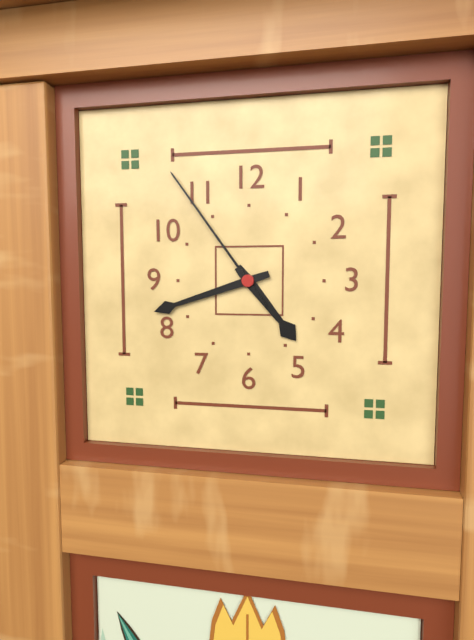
4:42:54
